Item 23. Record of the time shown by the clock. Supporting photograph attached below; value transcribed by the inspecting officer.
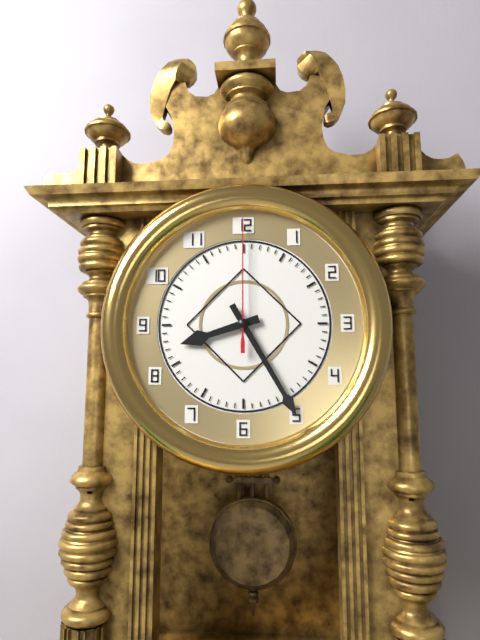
8:25:00
